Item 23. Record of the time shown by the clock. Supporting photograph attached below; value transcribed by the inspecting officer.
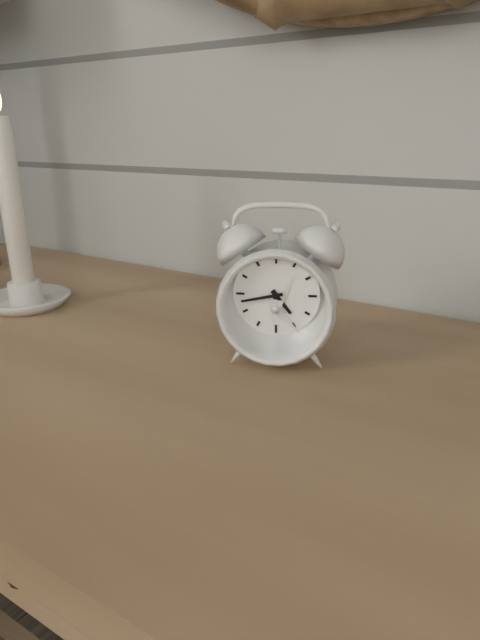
4:43
